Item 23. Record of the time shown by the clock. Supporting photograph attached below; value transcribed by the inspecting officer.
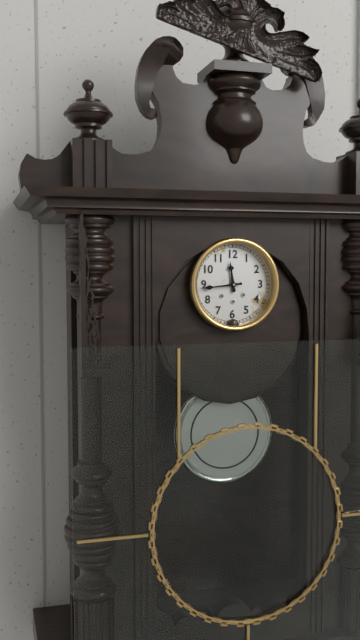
11:44
